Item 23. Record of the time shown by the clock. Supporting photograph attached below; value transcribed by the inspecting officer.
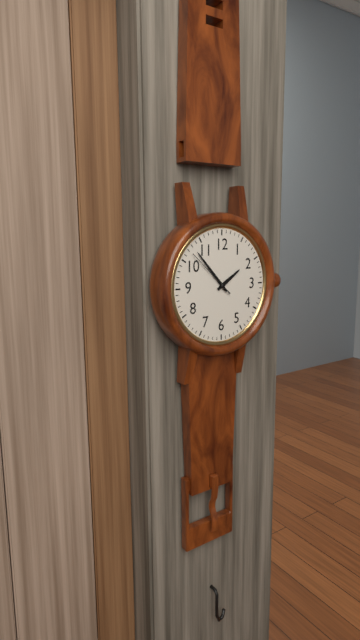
1:53:52
